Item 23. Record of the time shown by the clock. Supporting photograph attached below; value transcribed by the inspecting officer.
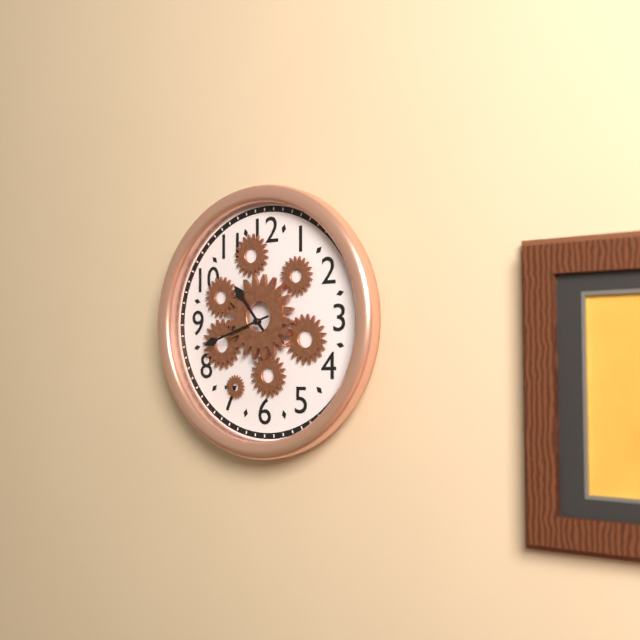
10:42
